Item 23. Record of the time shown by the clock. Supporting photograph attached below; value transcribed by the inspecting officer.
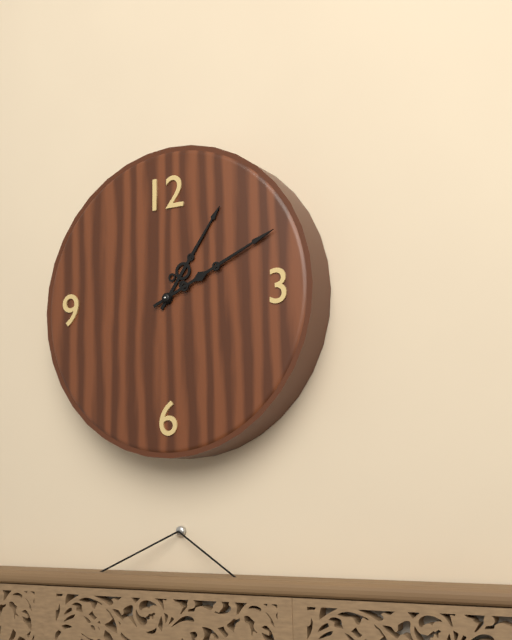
1:11
